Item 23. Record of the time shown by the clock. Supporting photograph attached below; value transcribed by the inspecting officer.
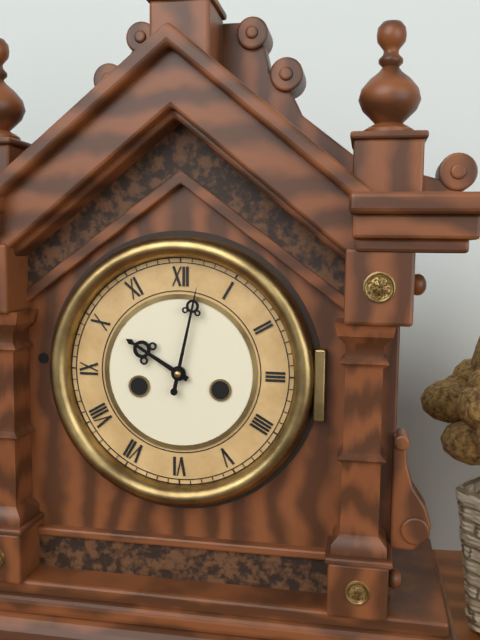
10:02
